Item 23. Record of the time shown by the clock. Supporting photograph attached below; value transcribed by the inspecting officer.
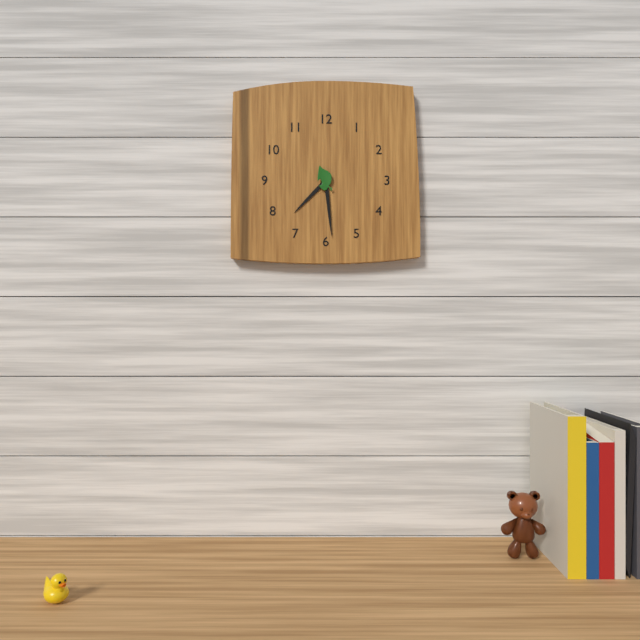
7:29
